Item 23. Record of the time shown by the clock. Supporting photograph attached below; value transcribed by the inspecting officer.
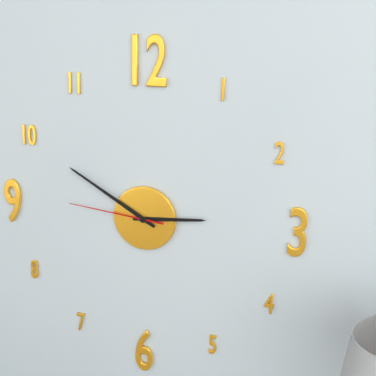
2:50:46
